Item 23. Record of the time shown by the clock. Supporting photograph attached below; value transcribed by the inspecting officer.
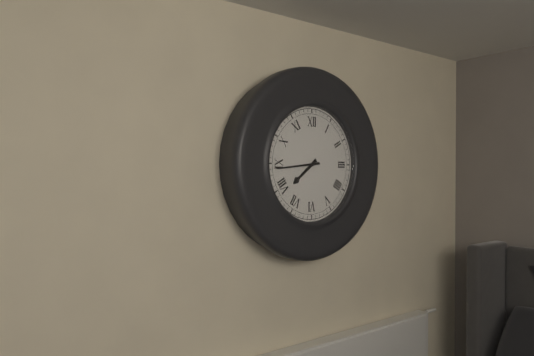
7:44
